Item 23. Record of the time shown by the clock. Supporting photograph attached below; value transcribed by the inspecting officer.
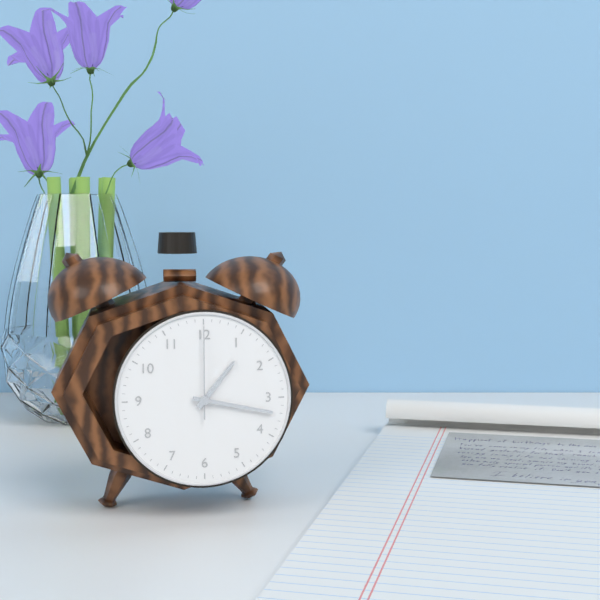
1:17:00
